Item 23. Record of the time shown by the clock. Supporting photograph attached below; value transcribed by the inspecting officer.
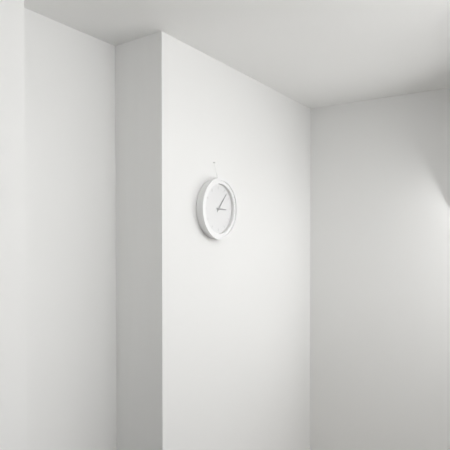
3:07
